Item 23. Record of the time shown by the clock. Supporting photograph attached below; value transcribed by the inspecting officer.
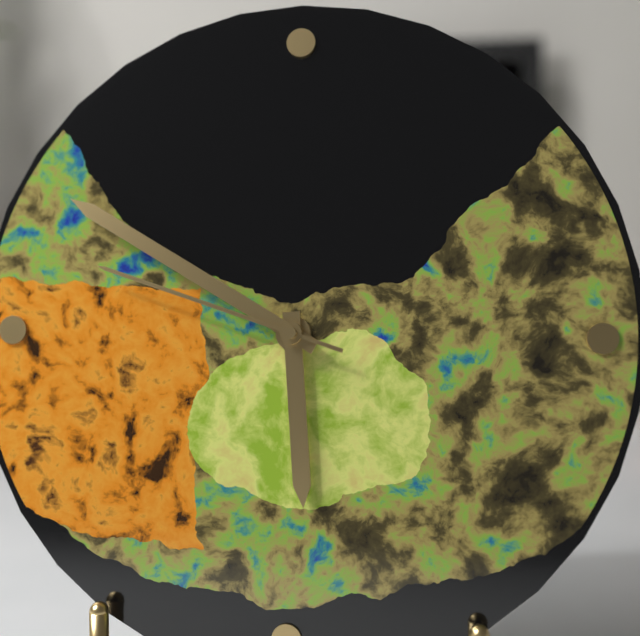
5:50:48
